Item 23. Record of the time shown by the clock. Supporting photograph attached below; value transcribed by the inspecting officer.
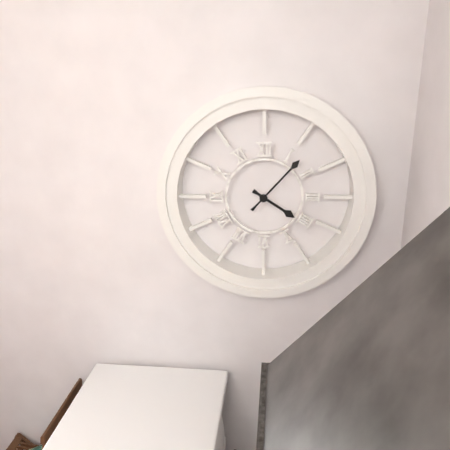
4:07
